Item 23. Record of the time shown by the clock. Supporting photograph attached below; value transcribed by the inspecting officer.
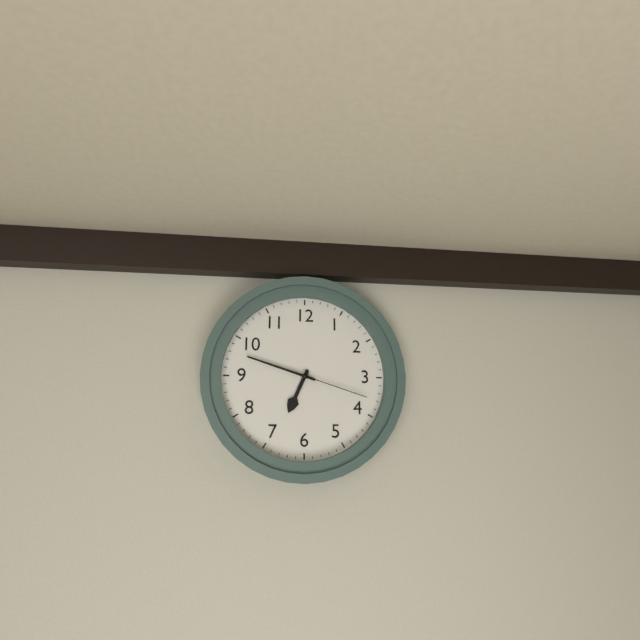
6:48:18
